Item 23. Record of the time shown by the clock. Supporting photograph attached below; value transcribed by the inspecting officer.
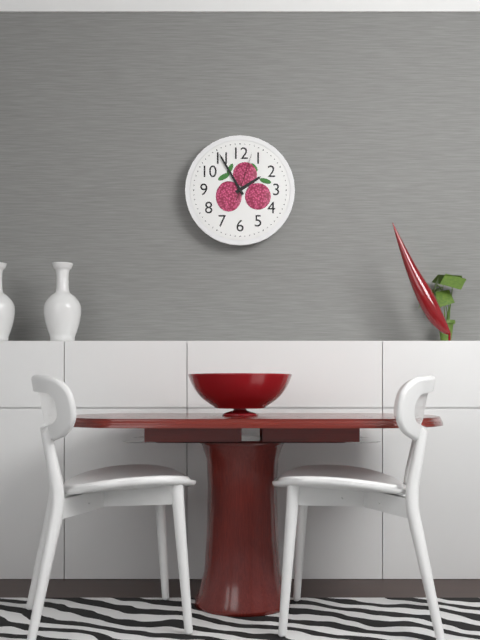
1:55
